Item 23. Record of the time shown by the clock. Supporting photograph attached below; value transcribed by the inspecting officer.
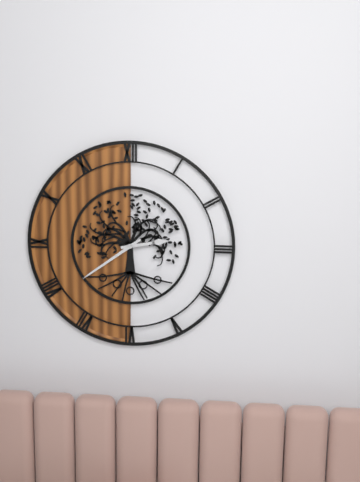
2:39
